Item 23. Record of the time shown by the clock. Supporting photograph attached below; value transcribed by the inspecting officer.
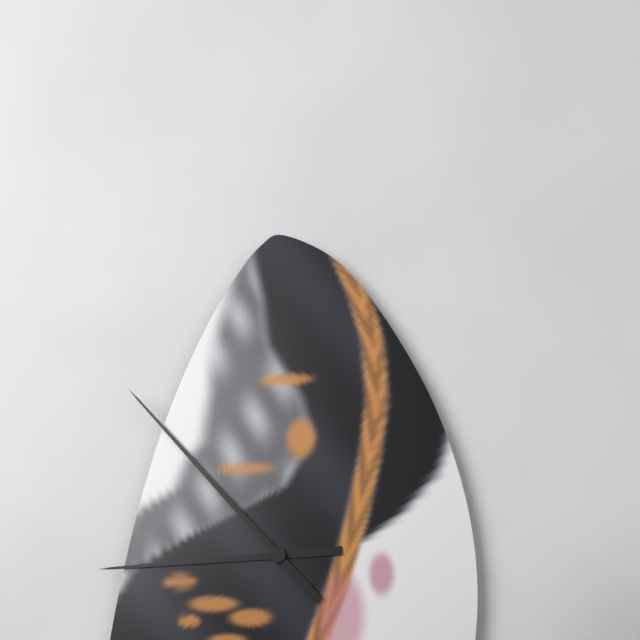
8:53
